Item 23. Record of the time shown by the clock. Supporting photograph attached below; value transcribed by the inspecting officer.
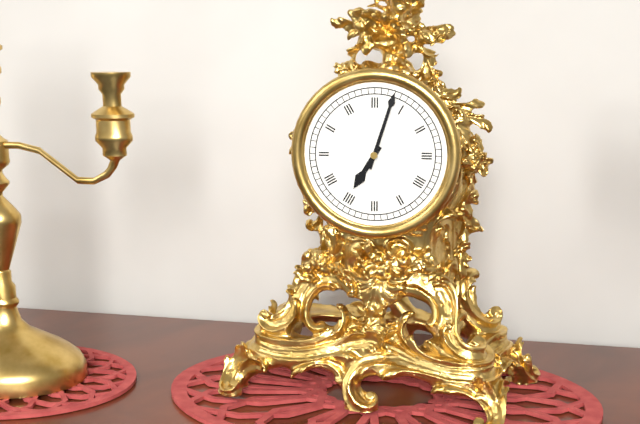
7:03
